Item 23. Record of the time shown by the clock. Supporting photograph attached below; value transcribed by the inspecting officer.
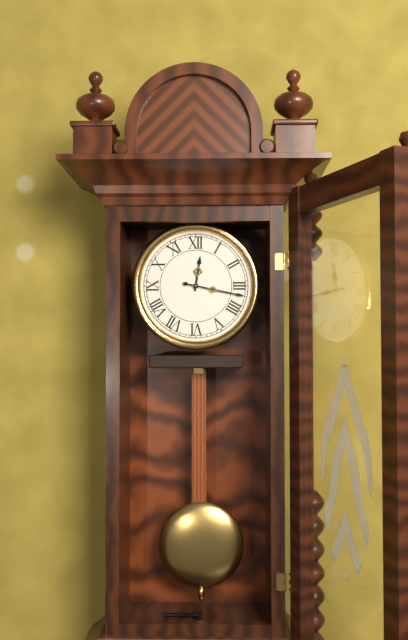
12:17
